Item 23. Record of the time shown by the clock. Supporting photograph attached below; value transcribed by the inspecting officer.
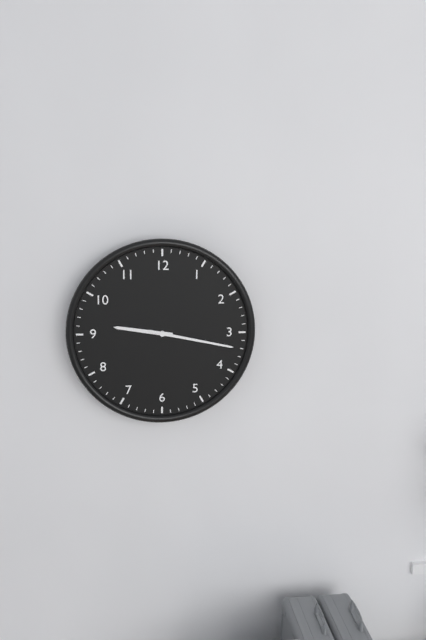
9:17
